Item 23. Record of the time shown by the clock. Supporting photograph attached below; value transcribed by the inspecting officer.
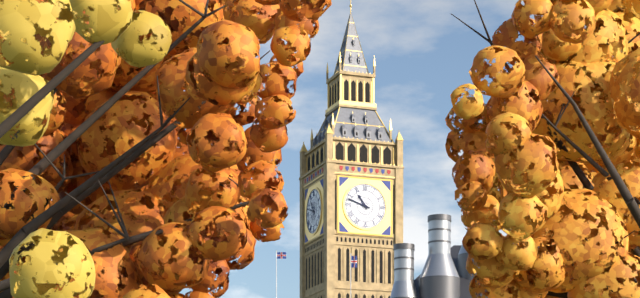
10:48
